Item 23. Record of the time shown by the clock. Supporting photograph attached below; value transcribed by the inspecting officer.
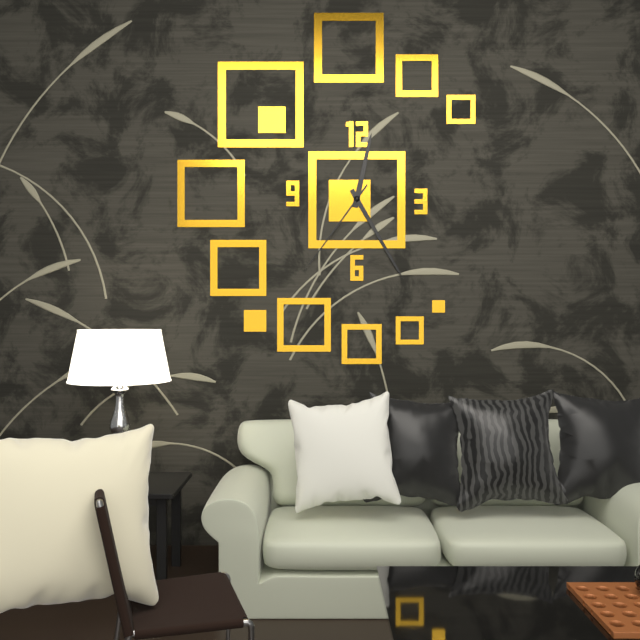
12:25:36
